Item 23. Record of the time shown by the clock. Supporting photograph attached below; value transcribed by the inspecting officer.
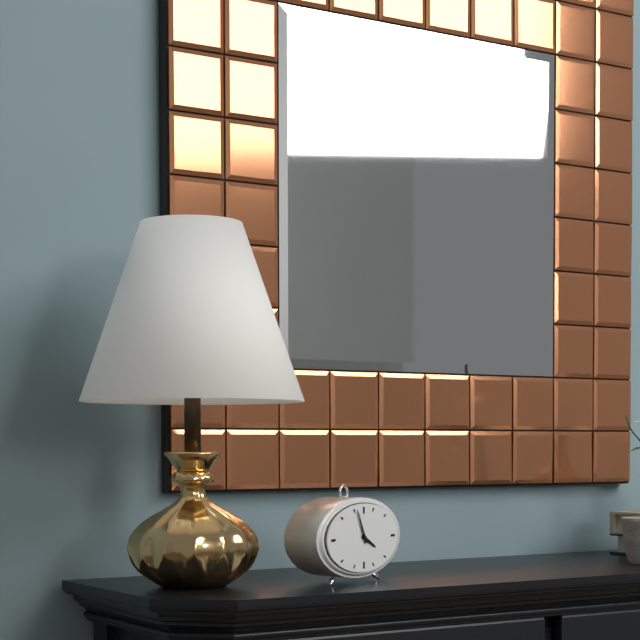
3:56
